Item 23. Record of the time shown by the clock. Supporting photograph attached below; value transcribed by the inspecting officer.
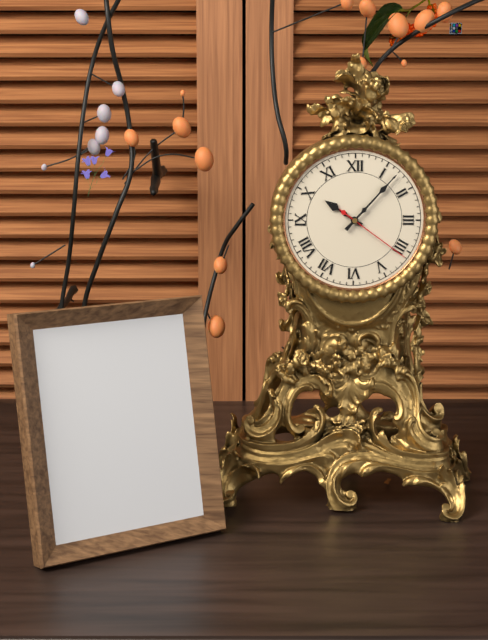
10:07:21
